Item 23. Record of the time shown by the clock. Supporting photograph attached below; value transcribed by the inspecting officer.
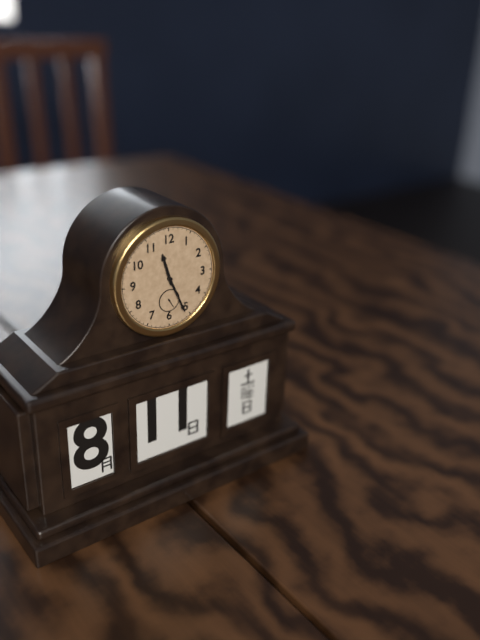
11:26
